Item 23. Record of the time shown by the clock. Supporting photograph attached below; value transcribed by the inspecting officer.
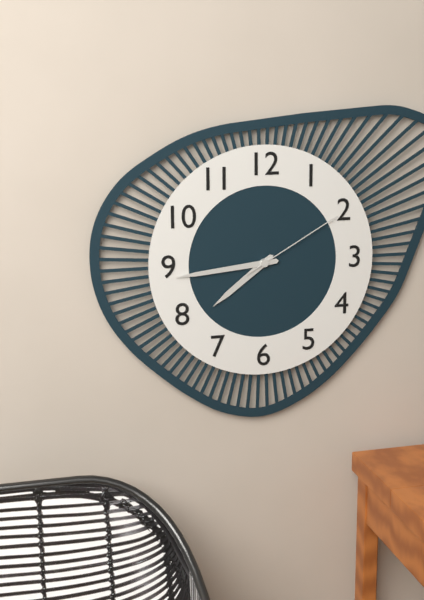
7:44:10
